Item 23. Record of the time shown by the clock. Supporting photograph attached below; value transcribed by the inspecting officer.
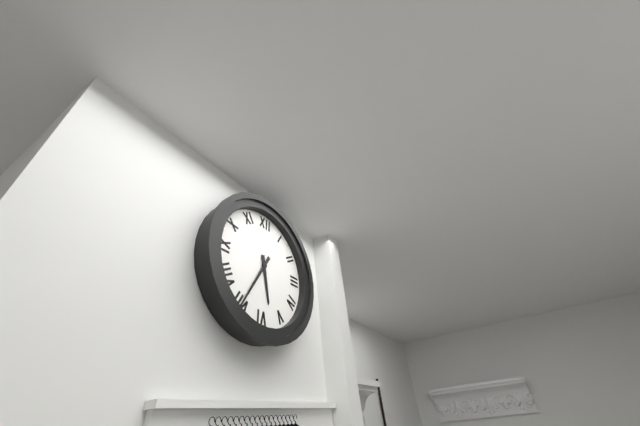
5:35
